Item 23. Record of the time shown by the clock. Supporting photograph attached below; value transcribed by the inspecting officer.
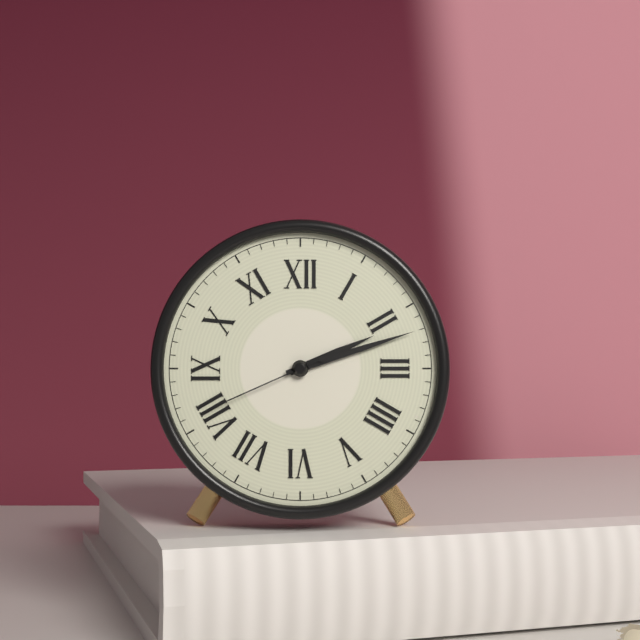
2:12:41
